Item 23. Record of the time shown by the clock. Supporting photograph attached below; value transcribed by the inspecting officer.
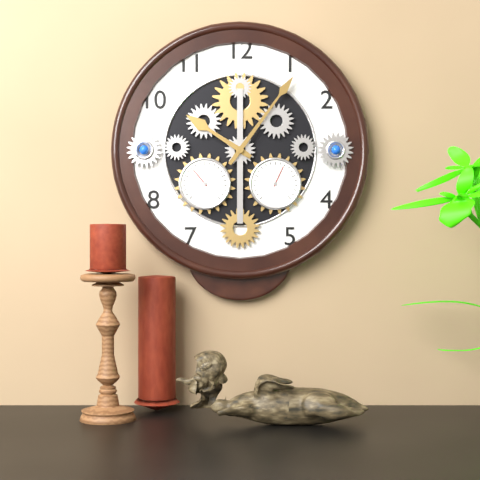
10:06
